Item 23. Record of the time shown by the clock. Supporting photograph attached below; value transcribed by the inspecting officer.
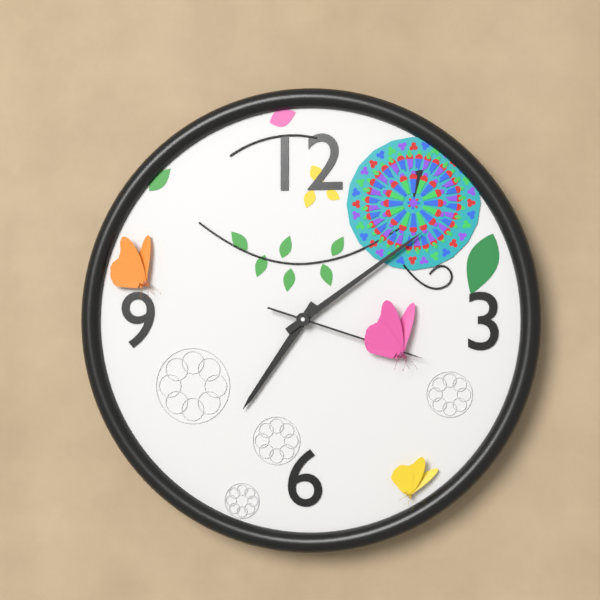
7:09:18
